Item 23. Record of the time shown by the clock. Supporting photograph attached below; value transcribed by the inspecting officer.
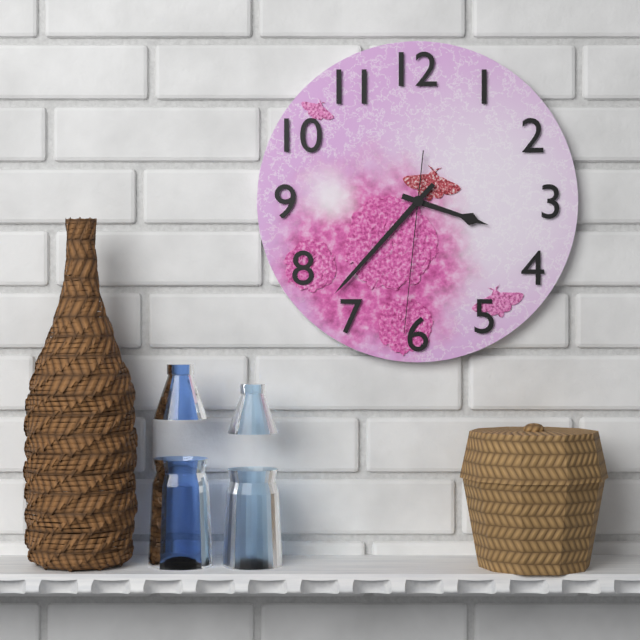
3:37:31
